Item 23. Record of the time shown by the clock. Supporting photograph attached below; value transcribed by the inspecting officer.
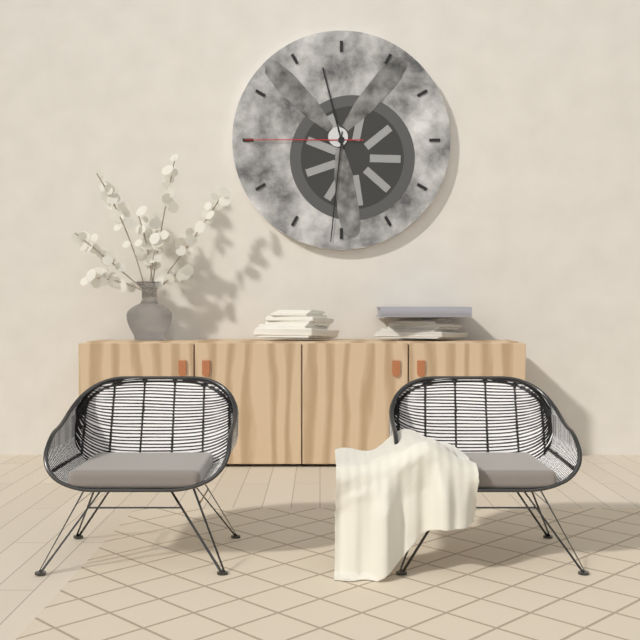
11:31:45
